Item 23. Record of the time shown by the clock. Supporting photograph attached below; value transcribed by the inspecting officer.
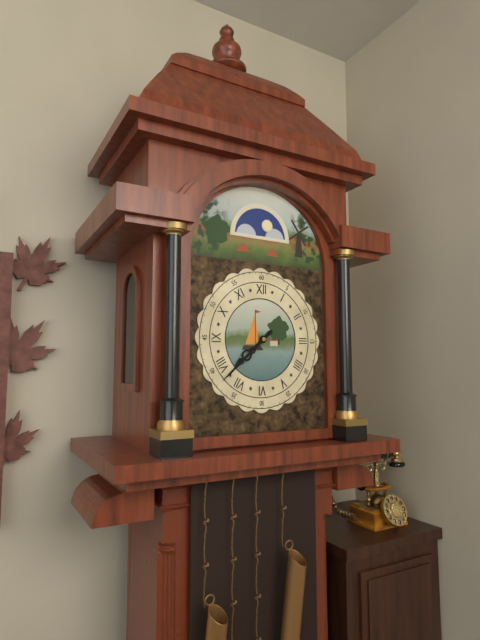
7:38
